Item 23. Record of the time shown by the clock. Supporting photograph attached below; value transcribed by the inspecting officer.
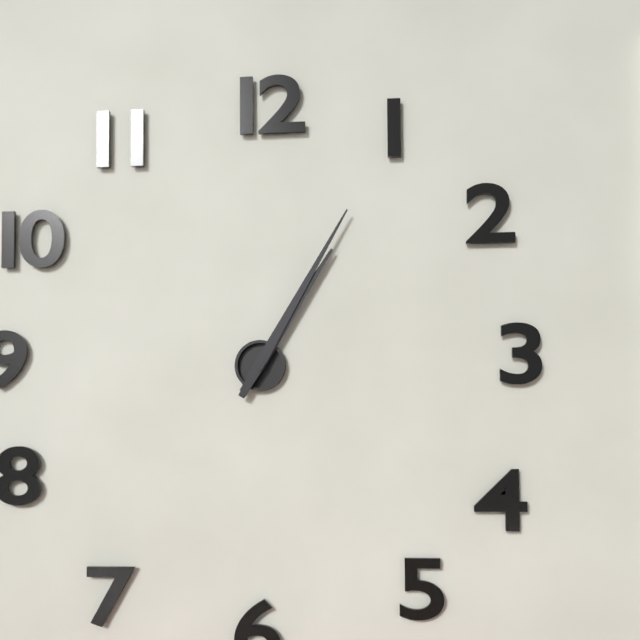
1:05
